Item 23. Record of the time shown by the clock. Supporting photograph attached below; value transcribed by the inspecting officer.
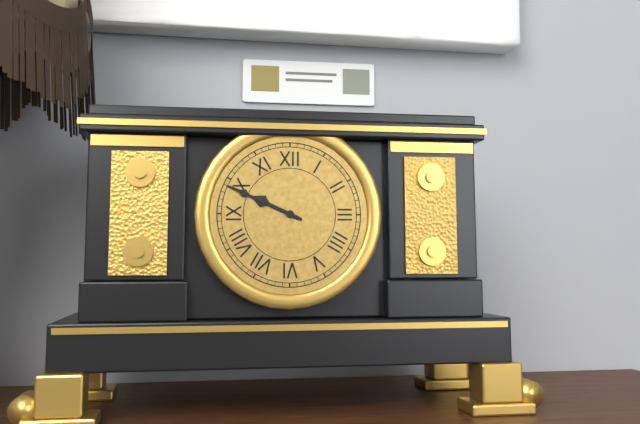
9:49
